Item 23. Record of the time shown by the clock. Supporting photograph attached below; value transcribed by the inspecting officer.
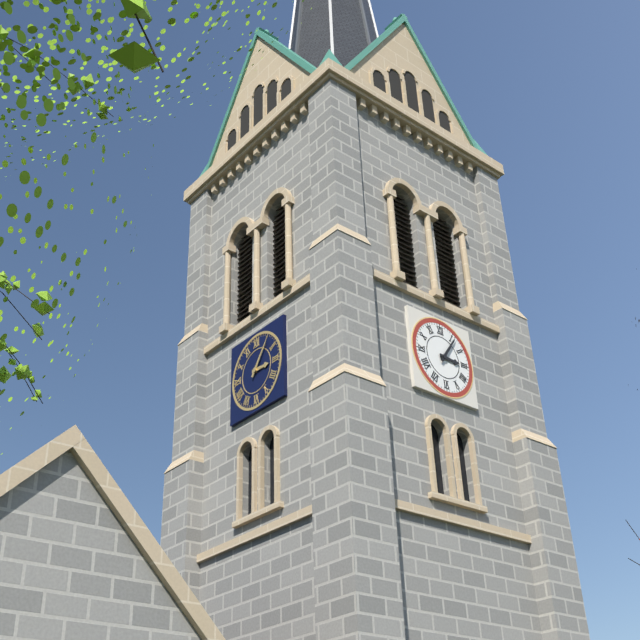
3:06
